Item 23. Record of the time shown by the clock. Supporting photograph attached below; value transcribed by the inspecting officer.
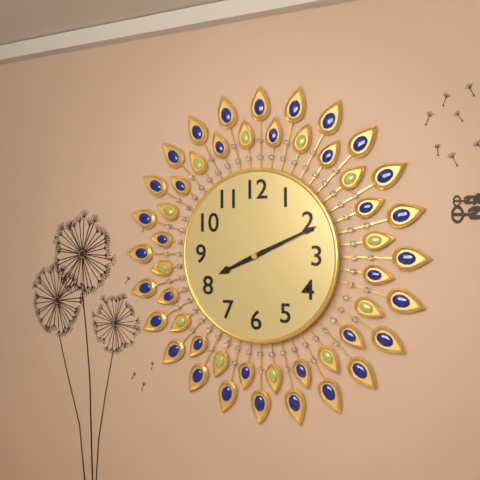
8:11
